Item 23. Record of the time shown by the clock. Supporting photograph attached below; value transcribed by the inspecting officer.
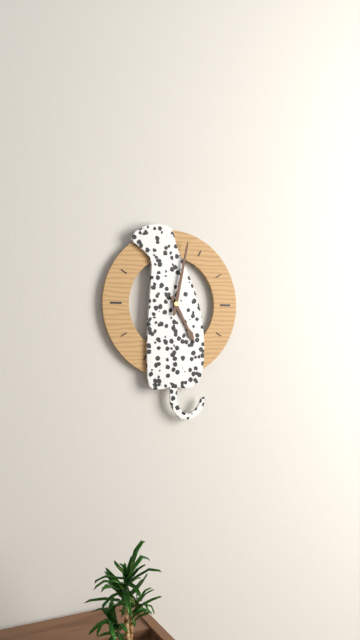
5:02
